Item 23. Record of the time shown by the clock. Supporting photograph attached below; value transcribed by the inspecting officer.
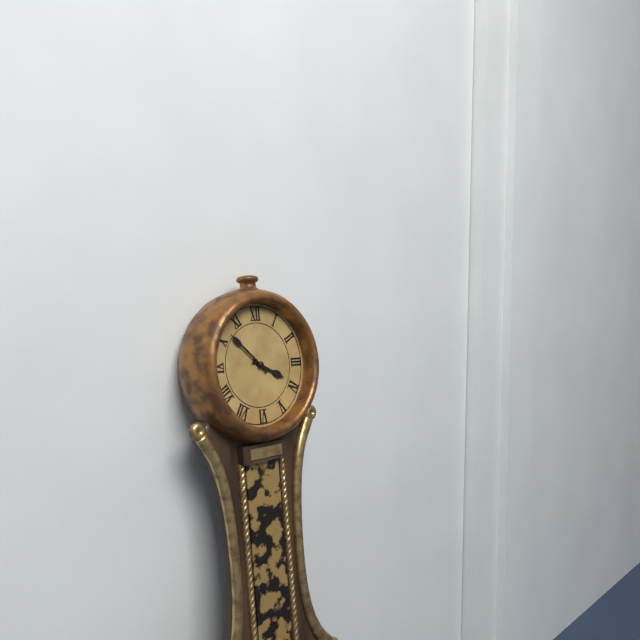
3:52
